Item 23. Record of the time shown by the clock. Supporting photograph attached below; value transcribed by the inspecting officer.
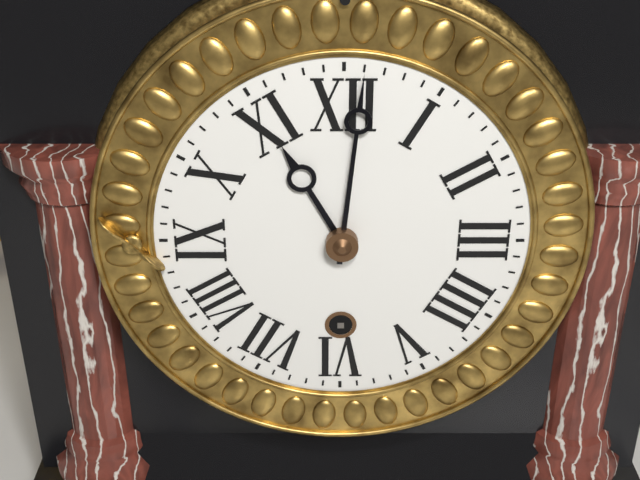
11:01
